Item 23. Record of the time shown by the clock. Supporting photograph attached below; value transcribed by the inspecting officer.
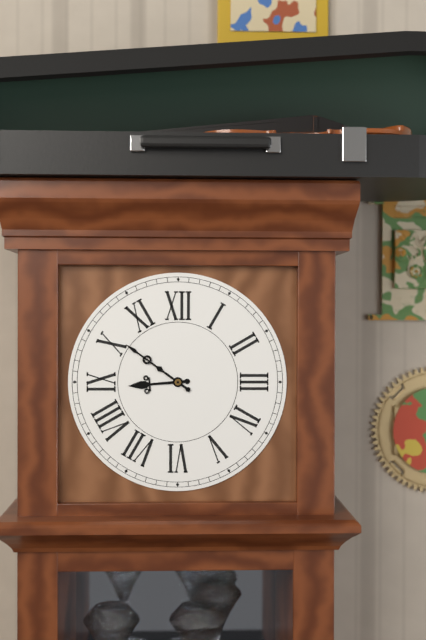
8:51
